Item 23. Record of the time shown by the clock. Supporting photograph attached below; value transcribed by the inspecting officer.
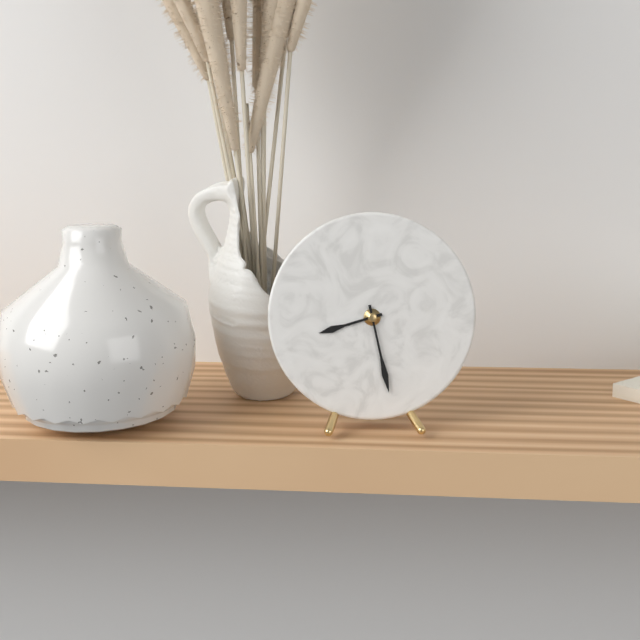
8:28
